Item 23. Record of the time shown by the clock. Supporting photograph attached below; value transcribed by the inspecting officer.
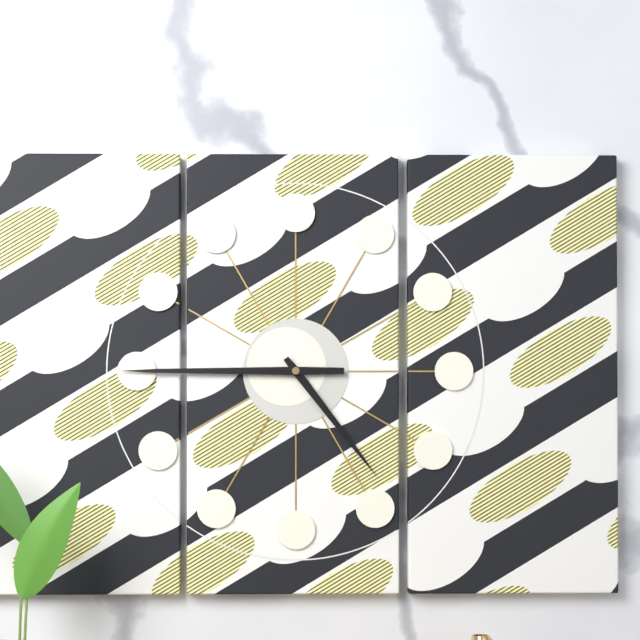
4:45
